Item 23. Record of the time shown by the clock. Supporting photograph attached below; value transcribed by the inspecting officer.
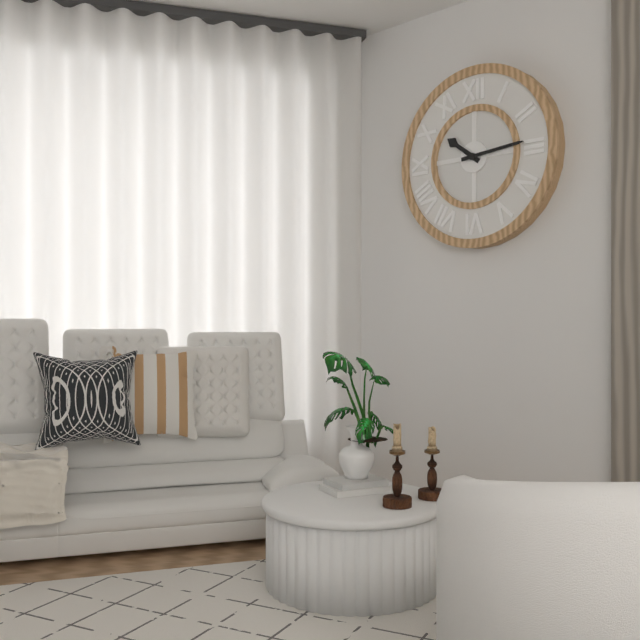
10:14
